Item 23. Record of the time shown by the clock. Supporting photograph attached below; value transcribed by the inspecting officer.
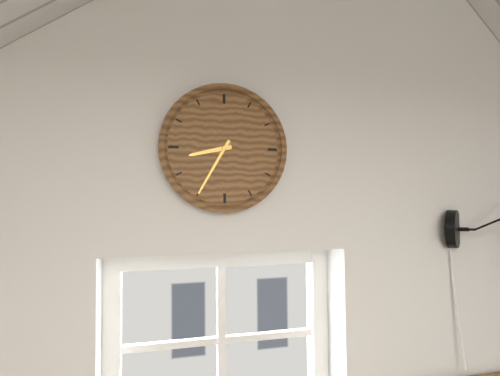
8:35
